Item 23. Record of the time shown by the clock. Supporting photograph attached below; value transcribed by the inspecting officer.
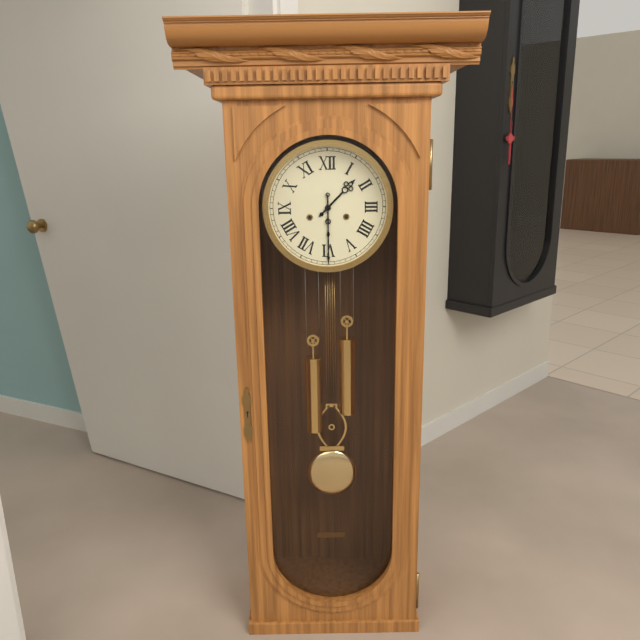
1:30
